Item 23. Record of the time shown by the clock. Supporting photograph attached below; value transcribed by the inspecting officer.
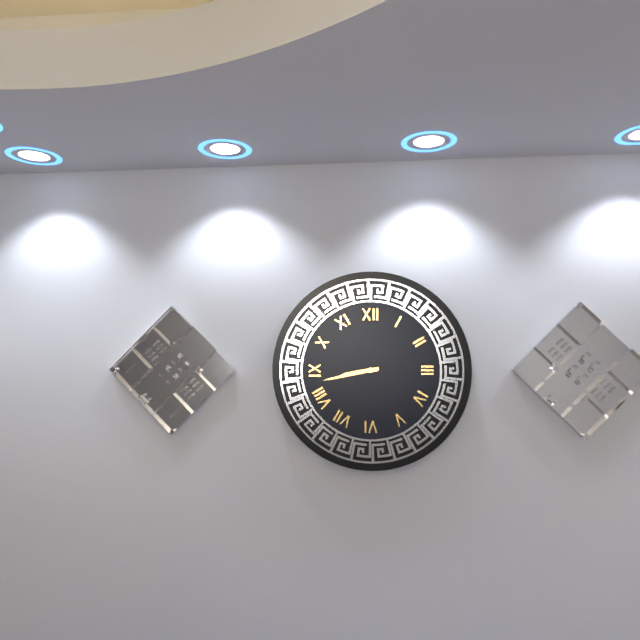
8:43
